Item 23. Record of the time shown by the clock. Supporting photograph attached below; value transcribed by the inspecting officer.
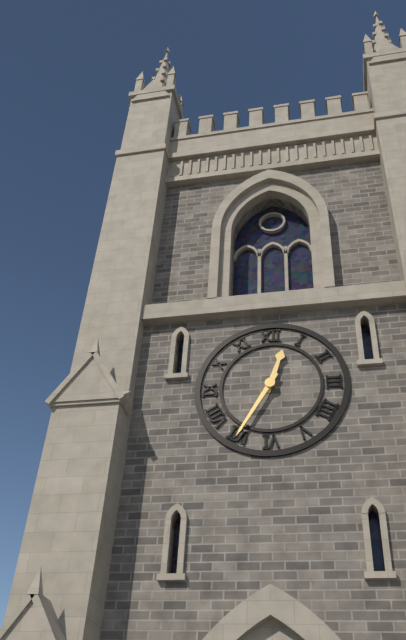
12:35
